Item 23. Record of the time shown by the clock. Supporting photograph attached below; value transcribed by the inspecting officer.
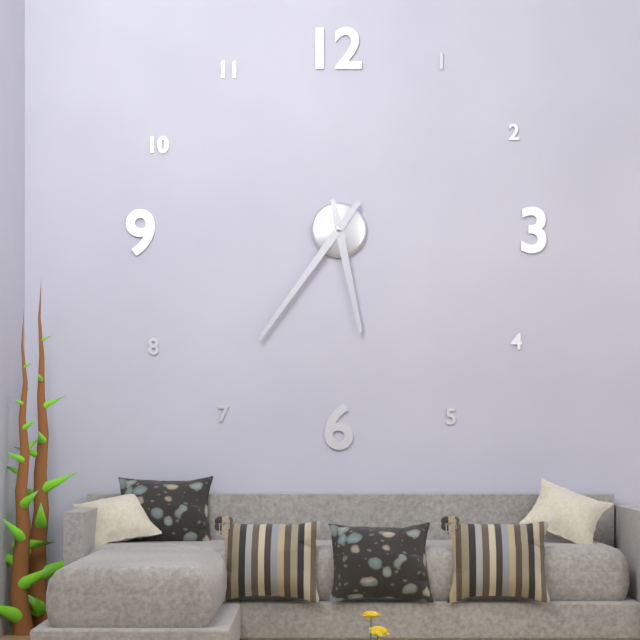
5:36
